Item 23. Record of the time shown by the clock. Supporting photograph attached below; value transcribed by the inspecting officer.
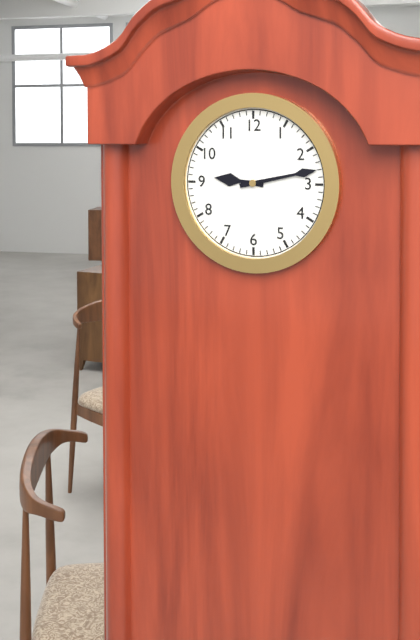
9:13
